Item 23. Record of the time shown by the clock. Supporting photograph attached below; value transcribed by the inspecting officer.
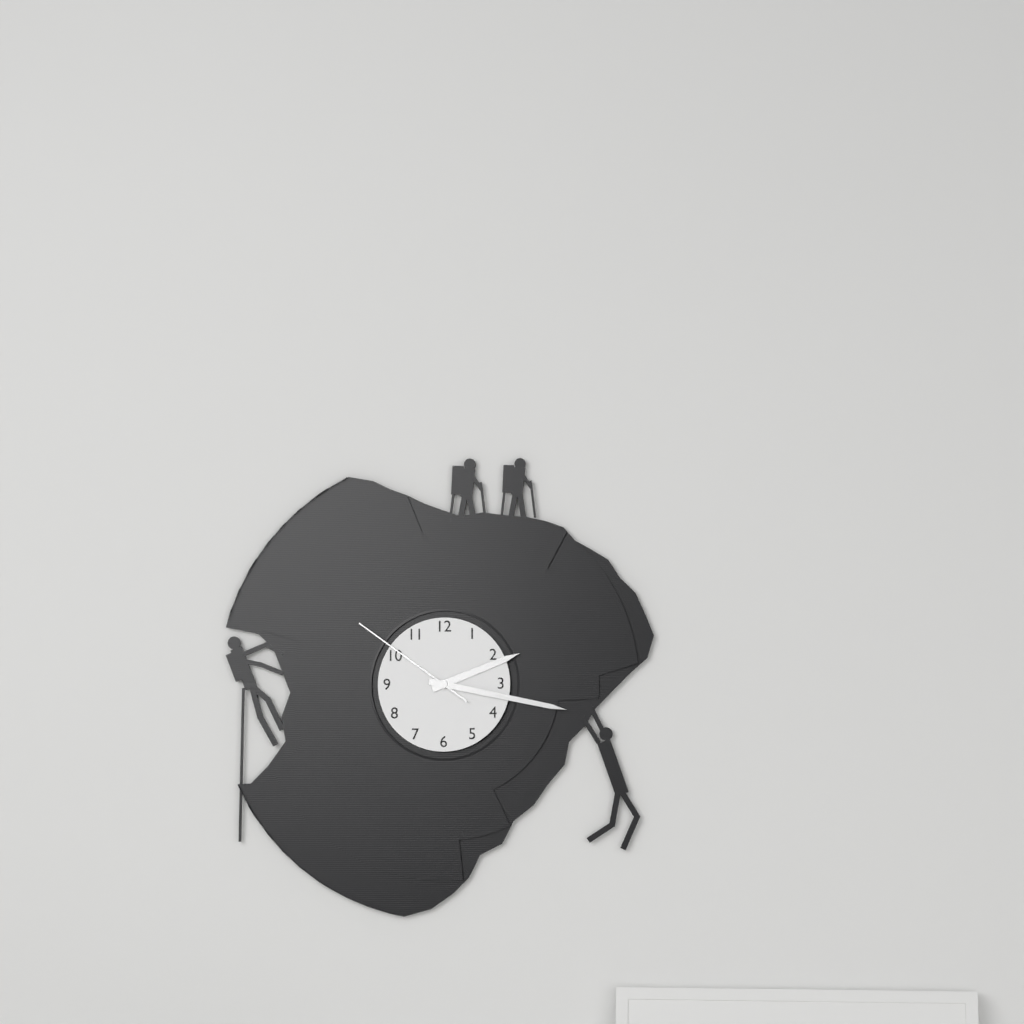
2:17:51
